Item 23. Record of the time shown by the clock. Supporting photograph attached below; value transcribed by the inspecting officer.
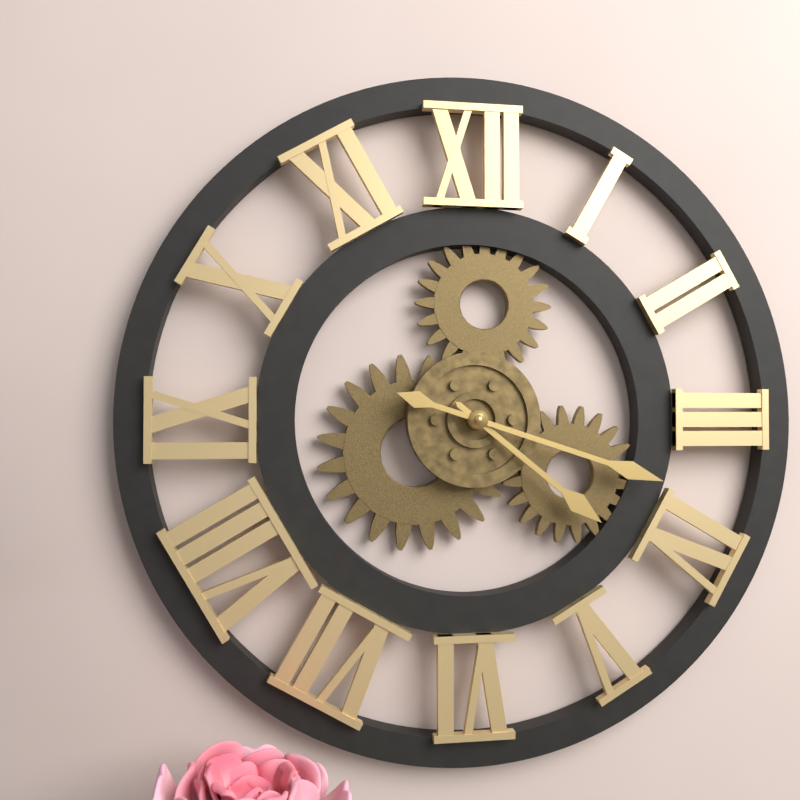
4:18
